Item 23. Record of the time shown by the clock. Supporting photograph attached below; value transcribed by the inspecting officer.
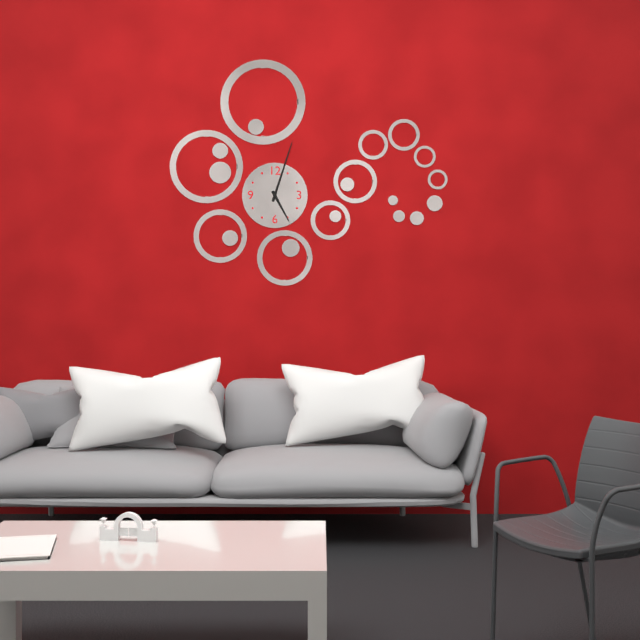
5:03
